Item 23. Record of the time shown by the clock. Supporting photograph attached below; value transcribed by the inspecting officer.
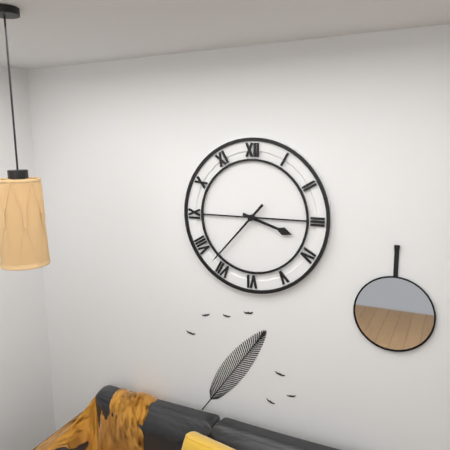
3:37
